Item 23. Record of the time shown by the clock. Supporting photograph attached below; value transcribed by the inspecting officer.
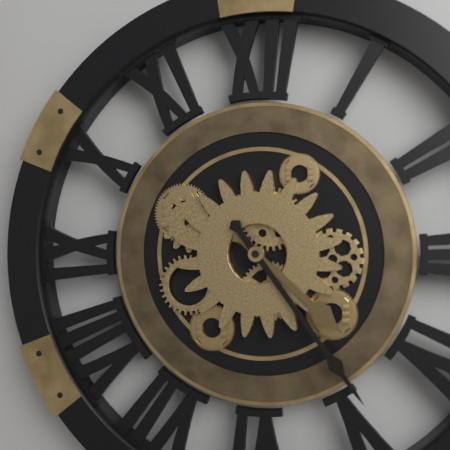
4:24
